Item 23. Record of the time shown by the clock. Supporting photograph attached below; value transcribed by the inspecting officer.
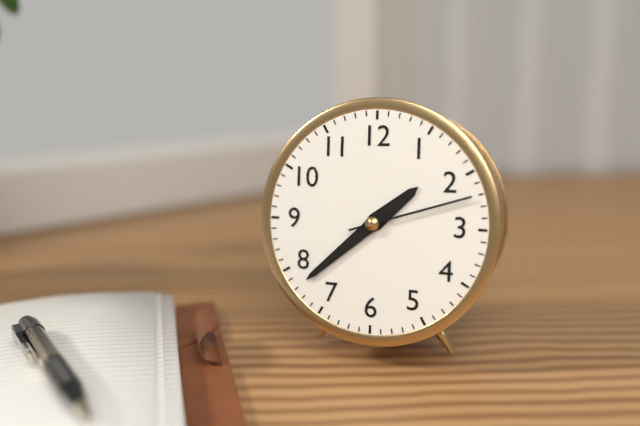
1:38:12
